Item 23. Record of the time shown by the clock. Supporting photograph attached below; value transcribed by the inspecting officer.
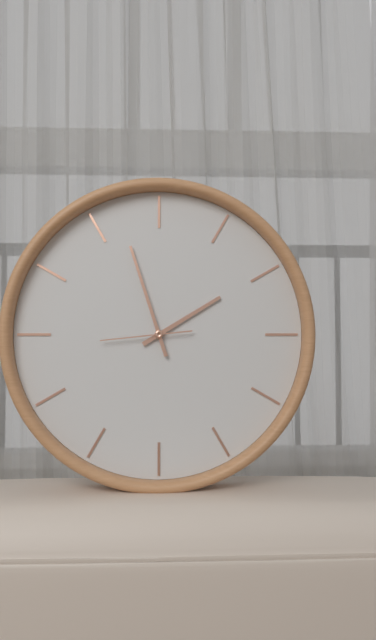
1:57:44
